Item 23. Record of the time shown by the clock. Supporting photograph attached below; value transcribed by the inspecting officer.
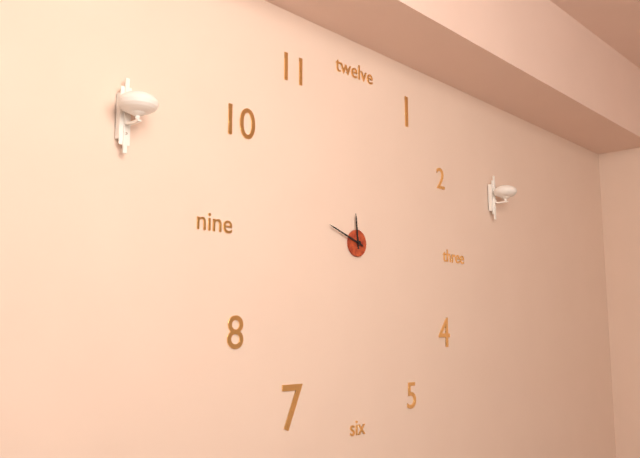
11:48
